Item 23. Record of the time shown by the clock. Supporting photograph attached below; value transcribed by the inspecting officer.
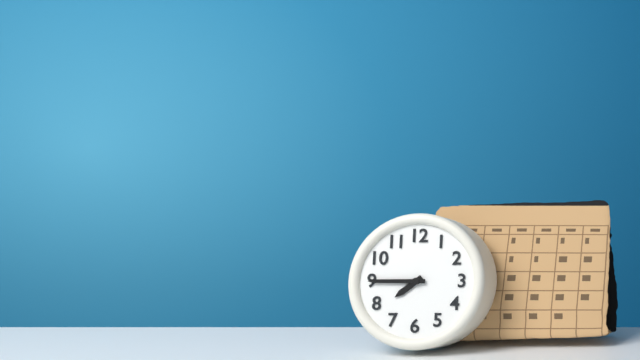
7:45
